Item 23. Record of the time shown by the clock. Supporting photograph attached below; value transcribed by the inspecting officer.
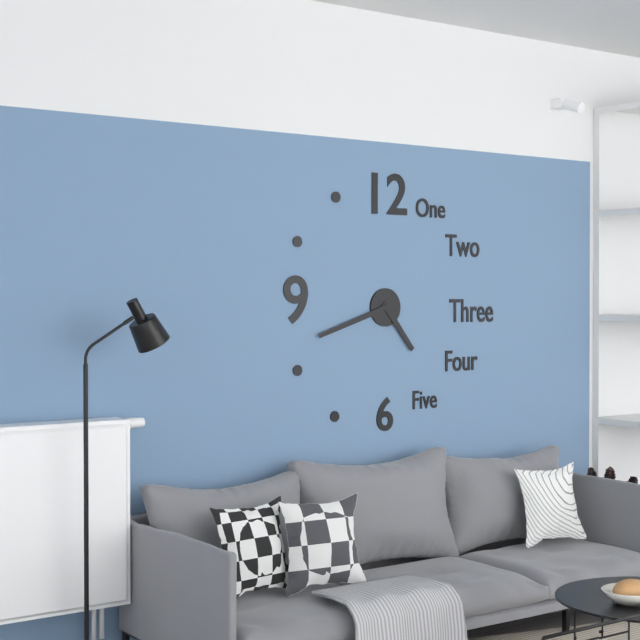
4:42
